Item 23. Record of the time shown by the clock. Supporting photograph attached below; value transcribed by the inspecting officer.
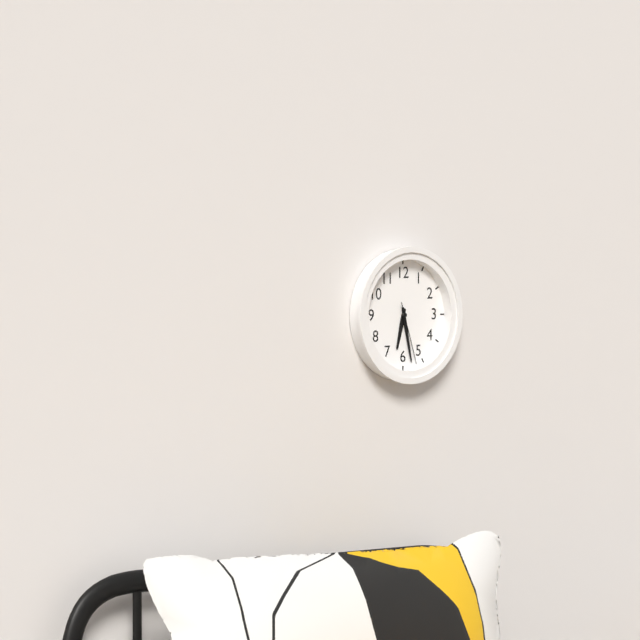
6:28:27
